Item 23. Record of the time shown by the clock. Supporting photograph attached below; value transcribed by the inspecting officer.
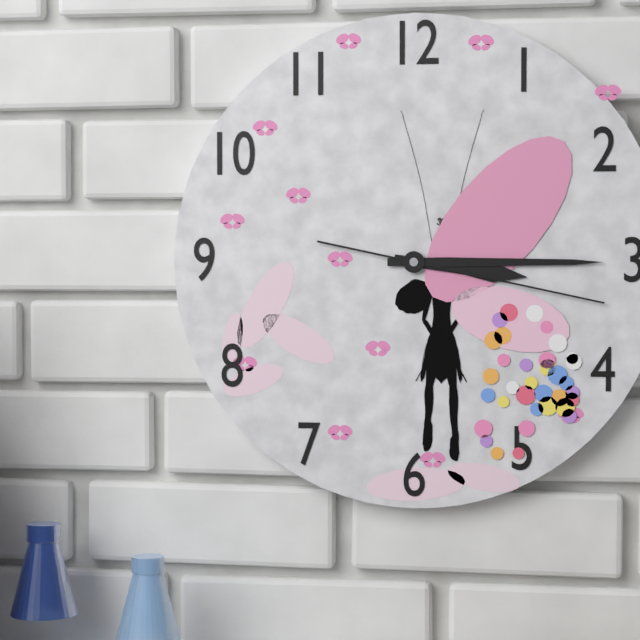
3:15:17
